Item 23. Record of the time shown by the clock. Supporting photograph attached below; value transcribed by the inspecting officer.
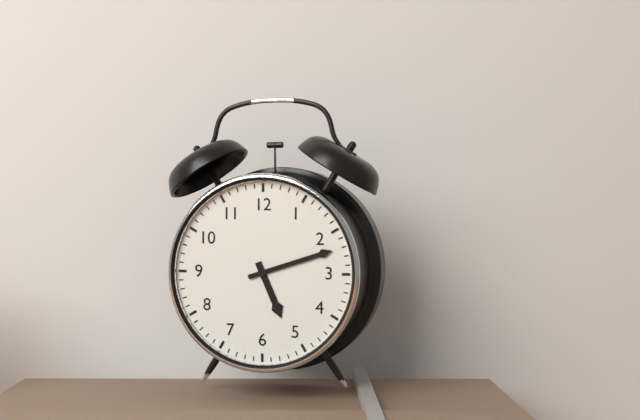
5:12
